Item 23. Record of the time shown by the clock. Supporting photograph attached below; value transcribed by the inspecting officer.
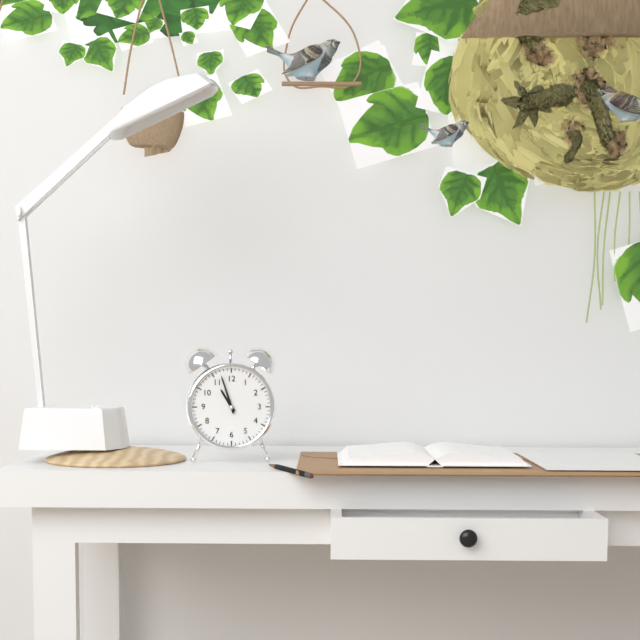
10:57
